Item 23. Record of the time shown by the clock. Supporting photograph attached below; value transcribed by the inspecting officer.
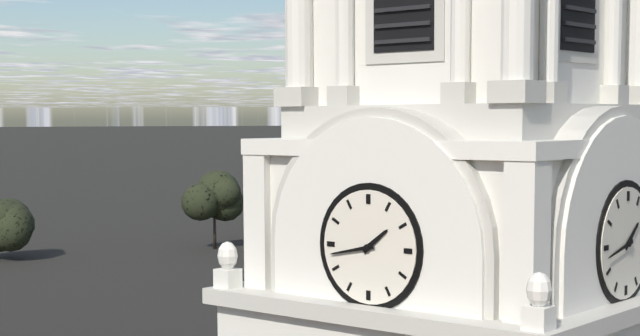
1:43
